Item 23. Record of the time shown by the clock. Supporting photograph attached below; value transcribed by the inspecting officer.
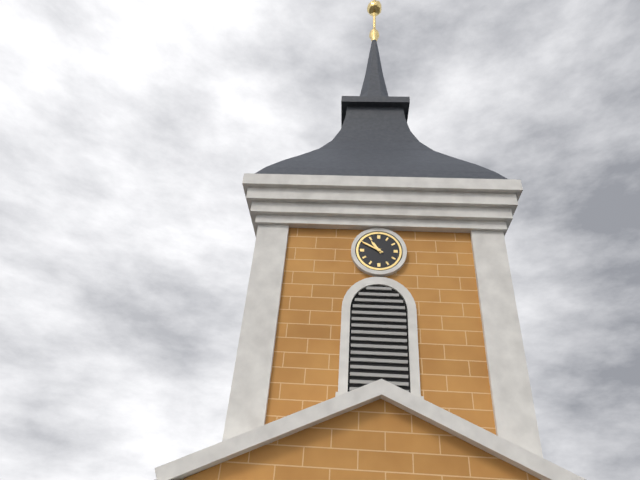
10:50
